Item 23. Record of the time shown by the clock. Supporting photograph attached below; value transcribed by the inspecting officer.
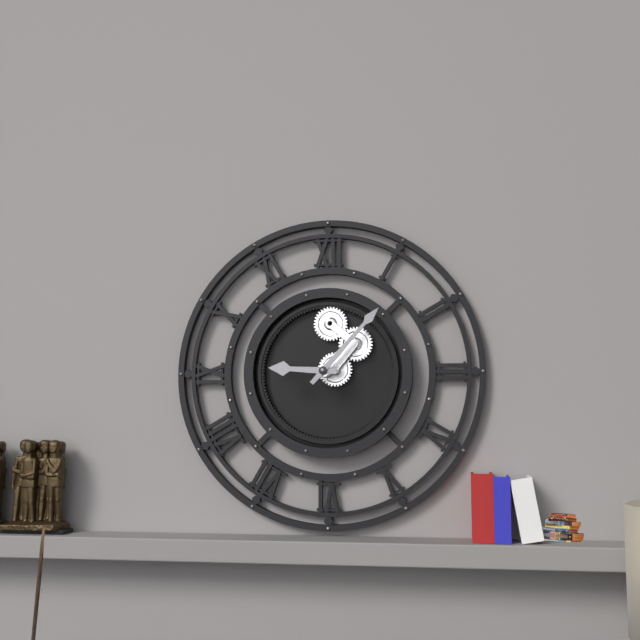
9:07
